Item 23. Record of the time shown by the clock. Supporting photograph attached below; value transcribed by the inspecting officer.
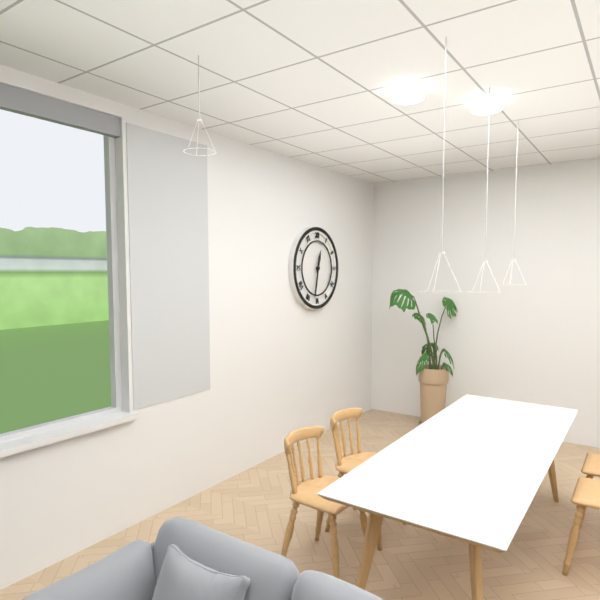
12:32
